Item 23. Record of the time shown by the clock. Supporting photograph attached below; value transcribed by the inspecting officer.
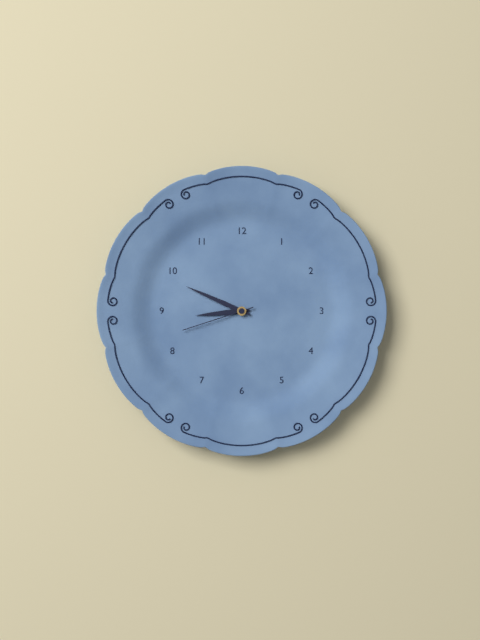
8:49:42
